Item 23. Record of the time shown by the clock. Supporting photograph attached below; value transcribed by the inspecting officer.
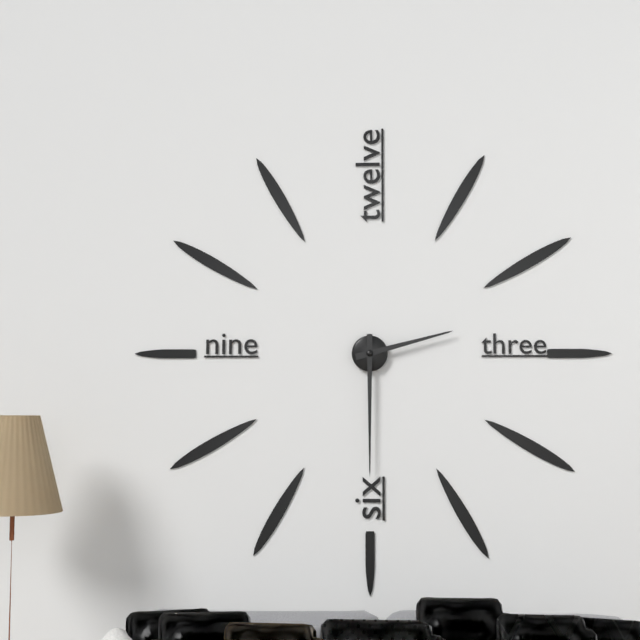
2:30
